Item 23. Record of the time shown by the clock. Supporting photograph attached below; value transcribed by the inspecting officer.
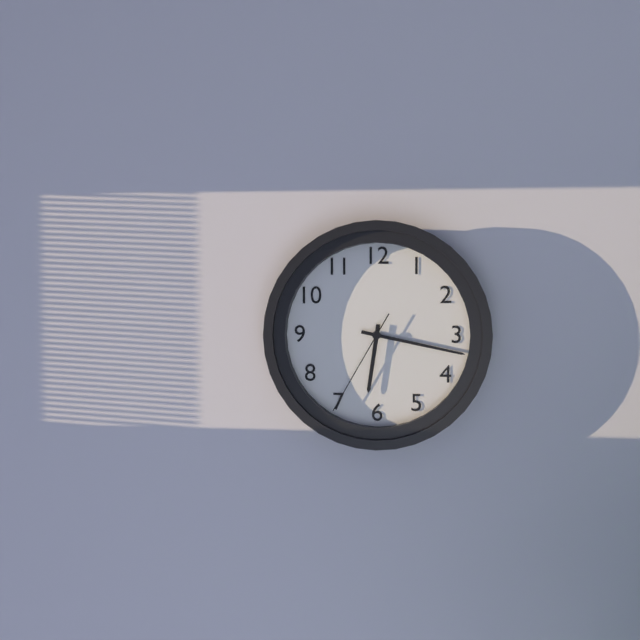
6:17:35
